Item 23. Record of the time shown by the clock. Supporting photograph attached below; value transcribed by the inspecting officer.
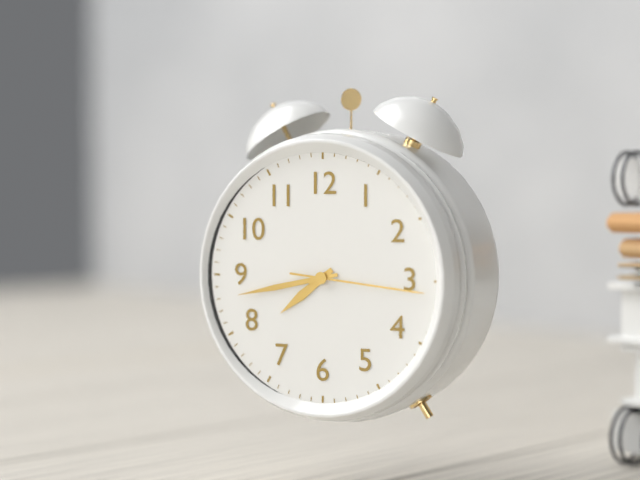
7:43:16
